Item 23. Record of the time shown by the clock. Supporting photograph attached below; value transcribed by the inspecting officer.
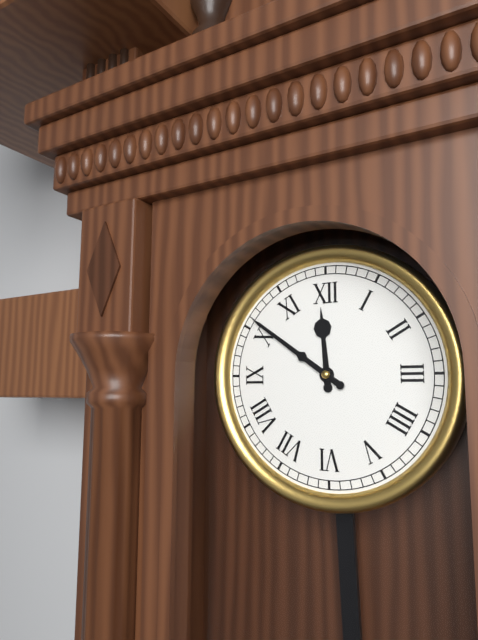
11:51
